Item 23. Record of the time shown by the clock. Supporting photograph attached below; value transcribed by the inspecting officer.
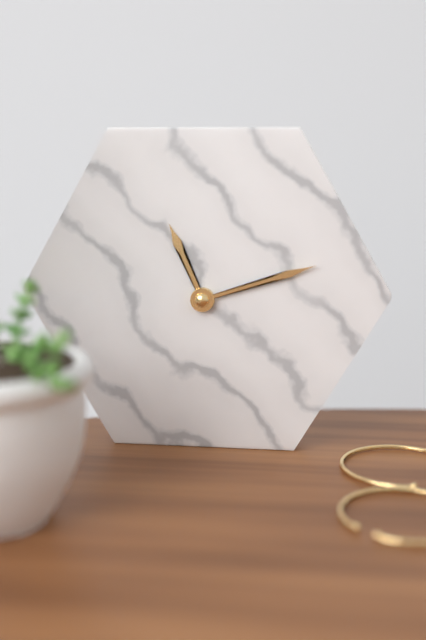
11:12
